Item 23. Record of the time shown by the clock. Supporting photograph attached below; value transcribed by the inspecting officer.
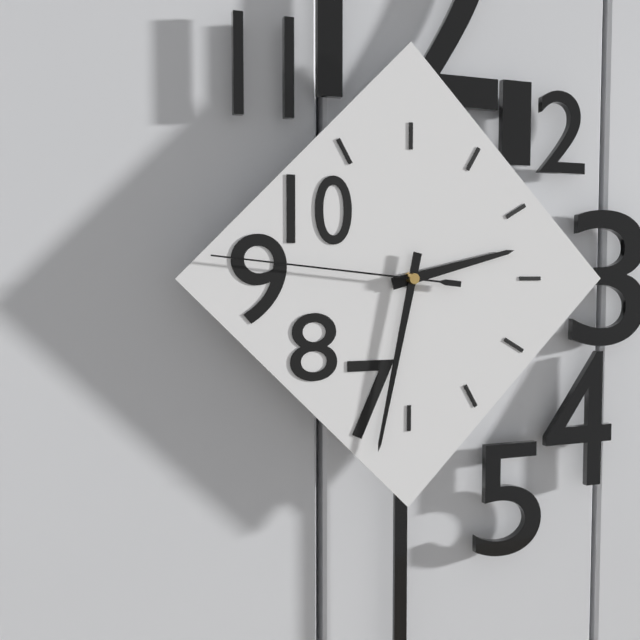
2:32:46
